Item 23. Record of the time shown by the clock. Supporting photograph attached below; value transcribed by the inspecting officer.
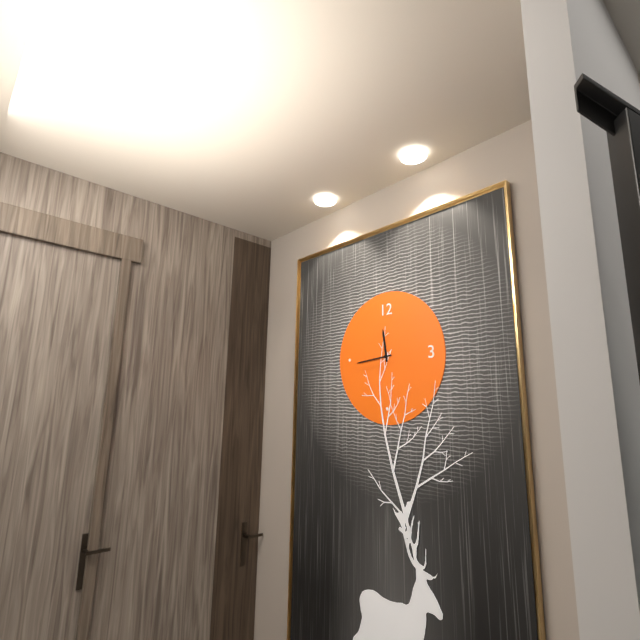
11:44
